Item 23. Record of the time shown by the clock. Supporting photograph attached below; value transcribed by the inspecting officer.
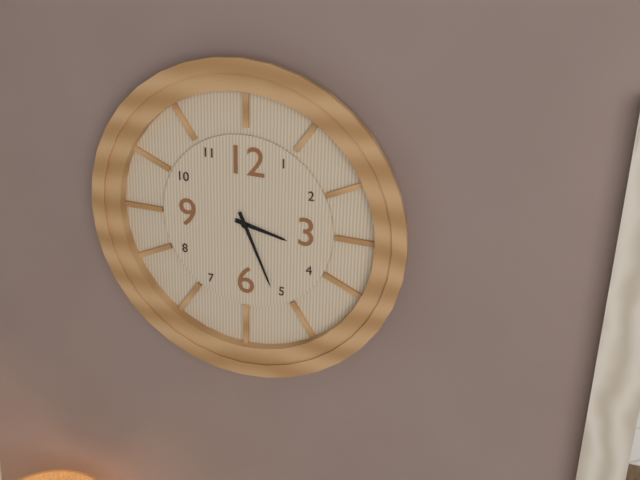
3:26
